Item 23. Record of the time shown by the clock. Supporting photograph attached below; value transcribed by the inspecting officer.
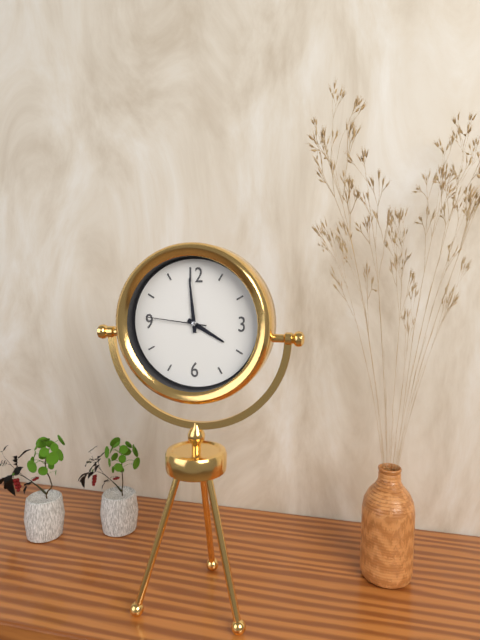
3:59:46
